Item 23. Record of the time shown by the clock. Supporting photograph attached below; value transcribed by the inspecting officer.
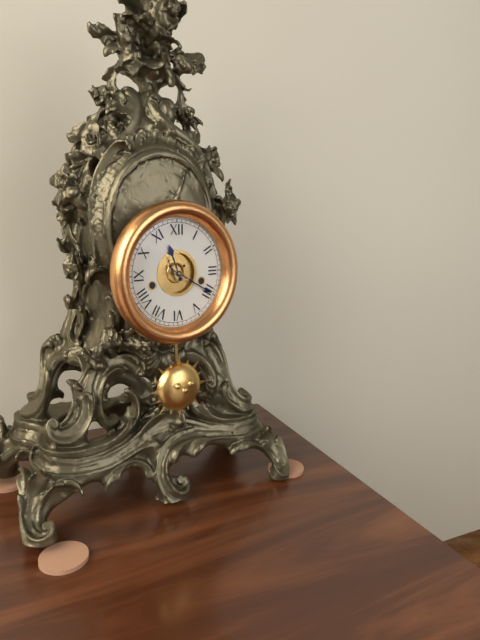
11:20
